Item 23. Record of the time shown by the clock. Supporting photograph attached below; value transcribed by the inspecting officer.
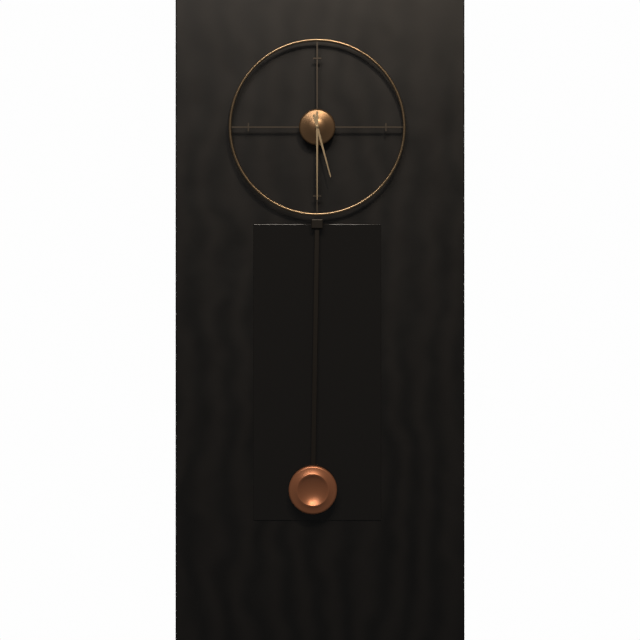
5:30
